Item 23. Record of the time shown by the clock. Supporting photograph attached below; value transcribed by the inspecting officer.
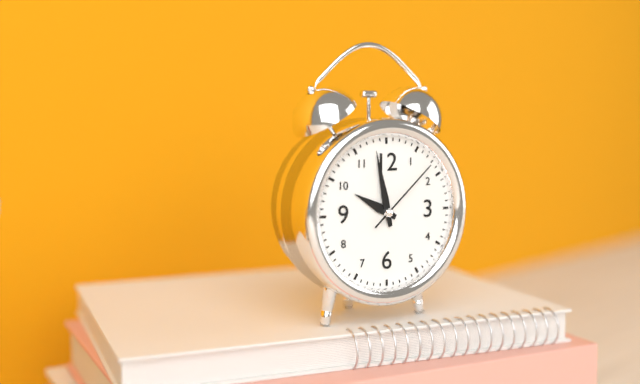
9:58:08
